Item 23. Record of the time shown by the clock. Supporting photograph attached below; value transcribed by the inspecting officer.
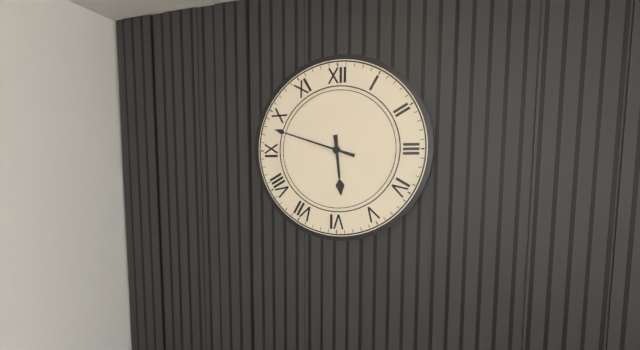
5:48
